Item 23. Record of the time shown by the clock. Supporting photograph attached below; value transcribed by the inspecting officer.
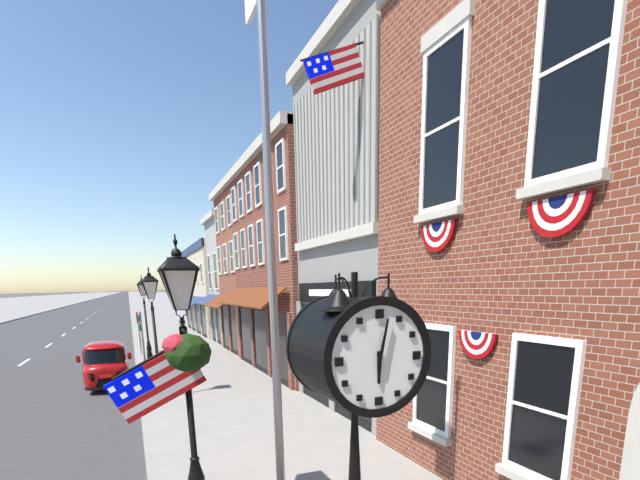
6:02
